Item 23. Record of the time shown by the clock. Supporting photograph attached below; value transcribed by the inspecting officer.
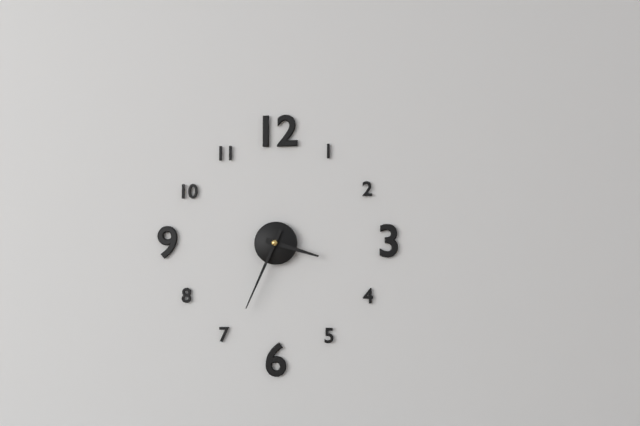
3:34
